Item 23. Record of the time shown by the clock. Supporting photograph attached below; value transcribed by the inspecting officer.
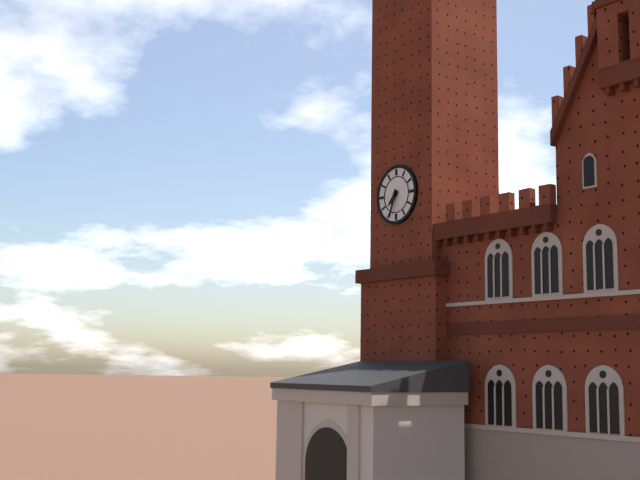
7:33
